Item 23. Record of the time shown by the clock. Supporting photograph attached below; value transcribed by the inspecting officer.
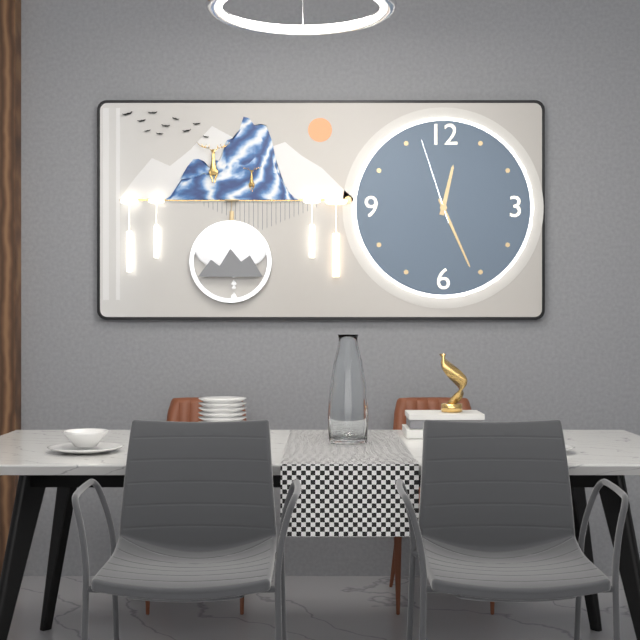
12:26:57
